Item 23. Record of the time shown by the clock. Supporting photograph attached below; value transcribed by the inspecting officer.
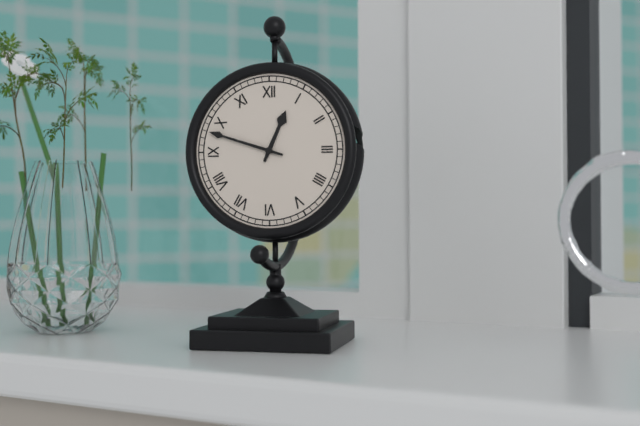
12:48
